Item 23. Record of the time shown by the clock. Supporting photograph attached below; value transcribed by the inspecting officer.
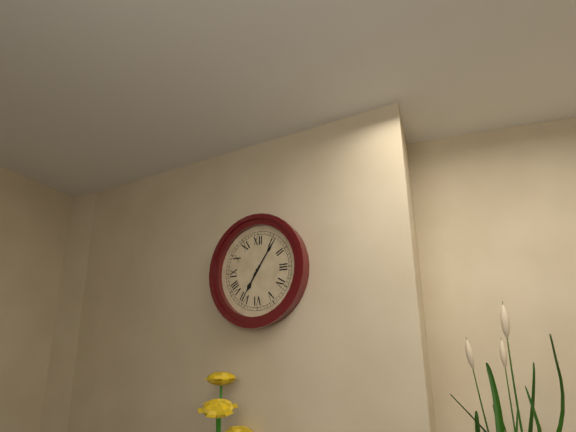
7:06
